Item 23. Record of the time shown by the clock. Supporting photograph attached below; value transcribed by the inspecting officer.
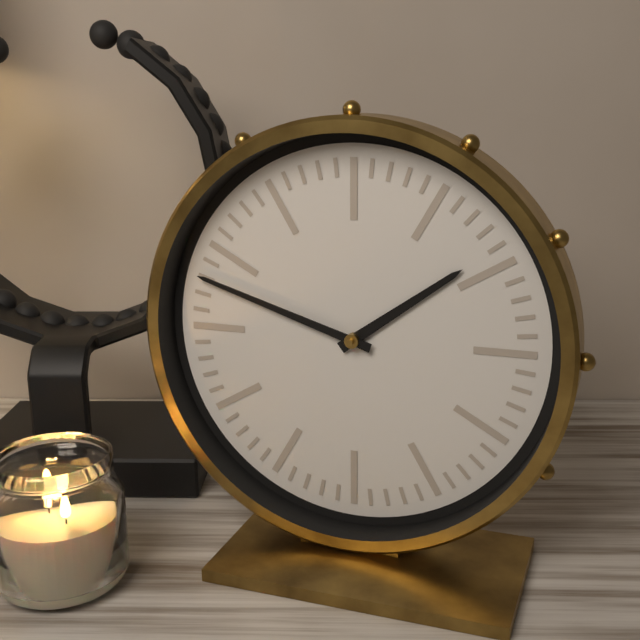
1:48
